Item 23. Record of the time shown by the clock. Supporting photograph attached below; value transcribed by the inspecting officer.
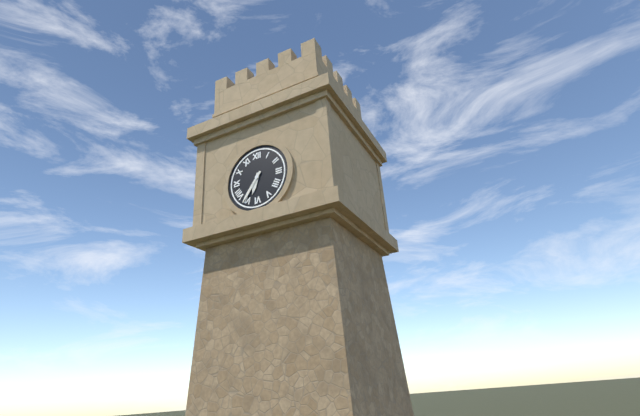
6:36
